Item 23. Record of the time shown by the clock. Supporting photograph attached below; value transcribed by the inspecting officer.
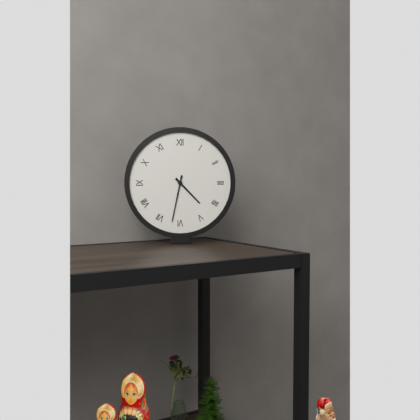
4:32
